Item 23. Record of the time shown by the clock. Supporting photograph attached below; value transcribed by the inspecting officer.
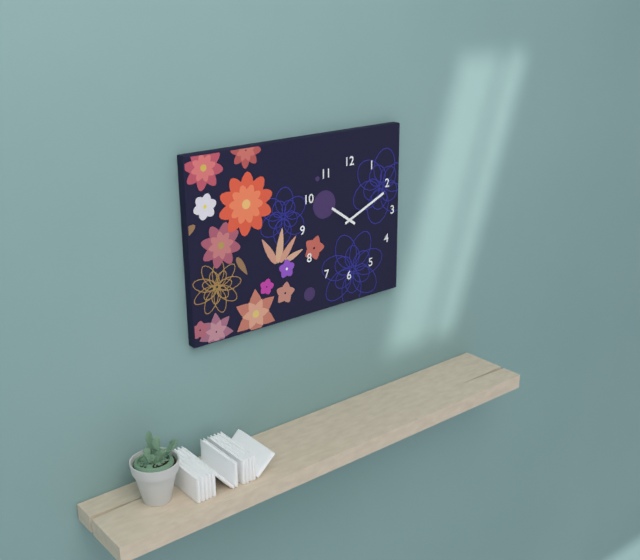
10:11
